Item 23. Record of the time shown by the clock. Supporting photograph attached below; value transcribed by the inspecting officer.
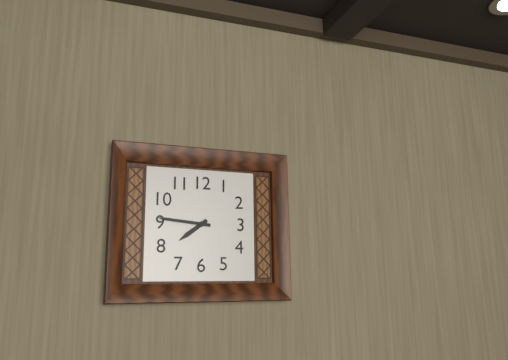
7:46
